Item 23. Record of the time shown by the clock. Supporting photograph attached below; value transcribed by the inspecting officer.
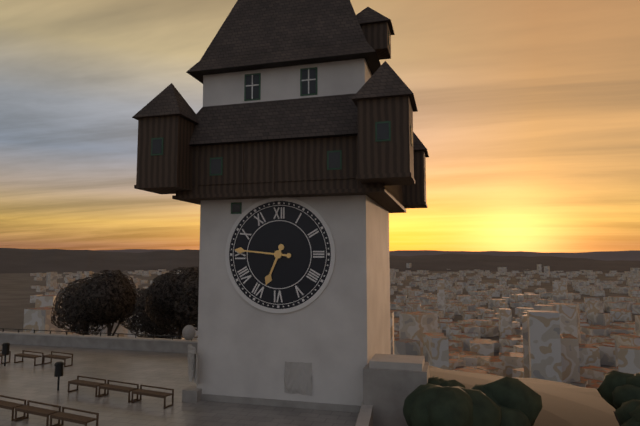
6:46
